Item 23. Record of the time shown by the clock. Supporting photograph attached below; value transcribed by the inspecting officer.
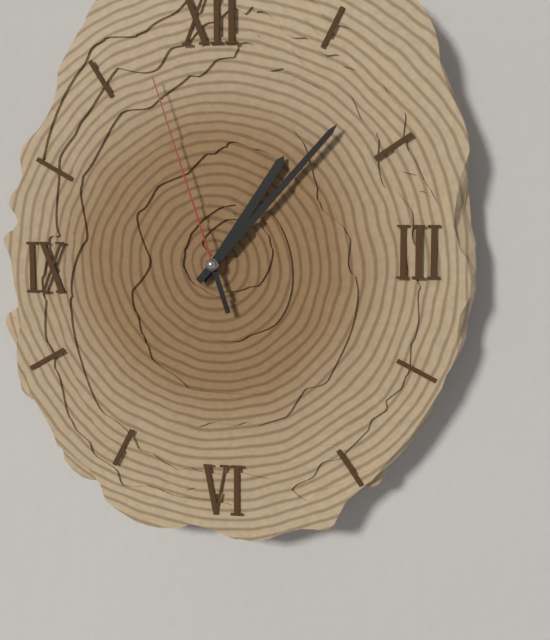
1:07:57
